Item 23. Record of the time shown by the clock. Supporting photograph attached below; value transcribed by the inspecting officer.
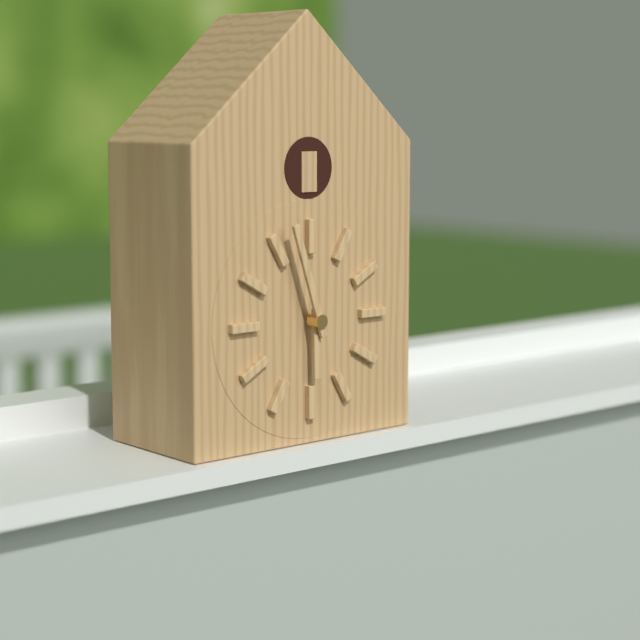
5:57
